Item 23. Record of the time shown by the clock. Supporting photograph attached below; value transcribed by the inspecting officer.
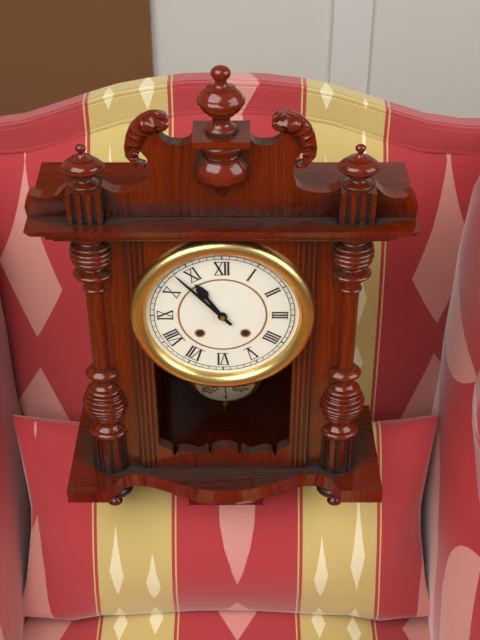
10:53
